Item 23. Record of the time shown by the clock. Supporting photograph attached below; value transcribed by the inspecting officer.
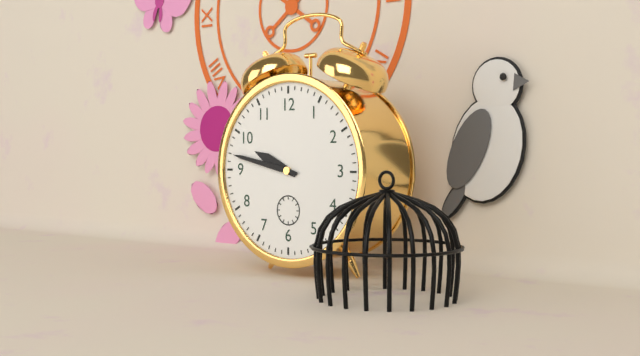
9:47
